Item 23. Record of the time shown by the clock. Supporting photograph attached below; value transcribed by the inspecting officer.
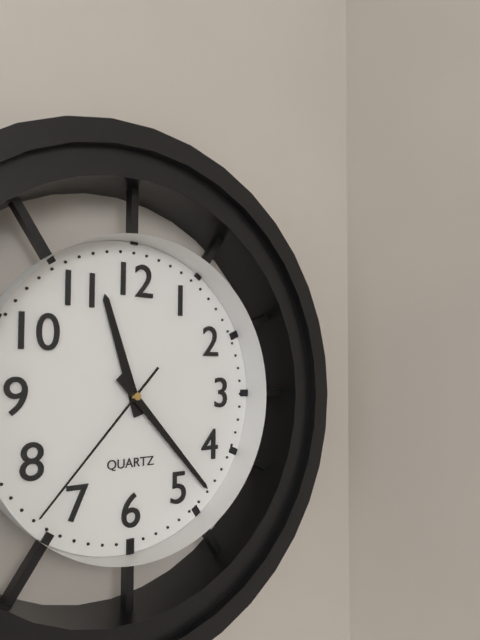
11:23:37
